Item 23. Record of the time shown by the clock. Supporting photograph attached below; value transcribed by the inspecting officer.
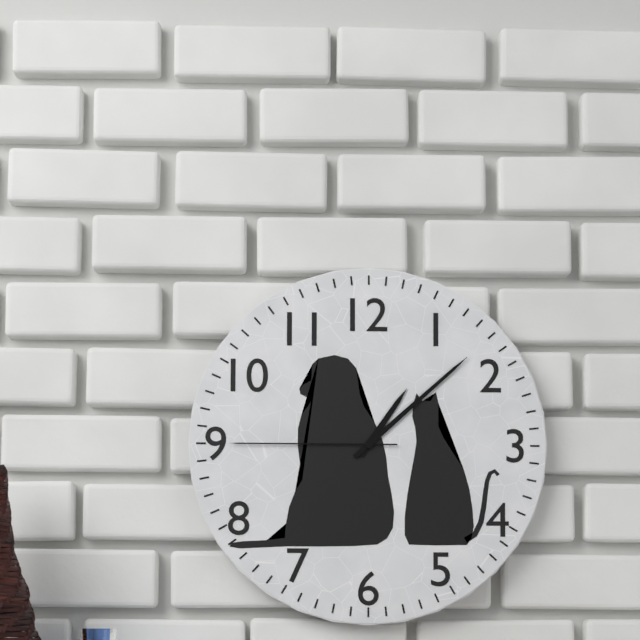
1:08:45
